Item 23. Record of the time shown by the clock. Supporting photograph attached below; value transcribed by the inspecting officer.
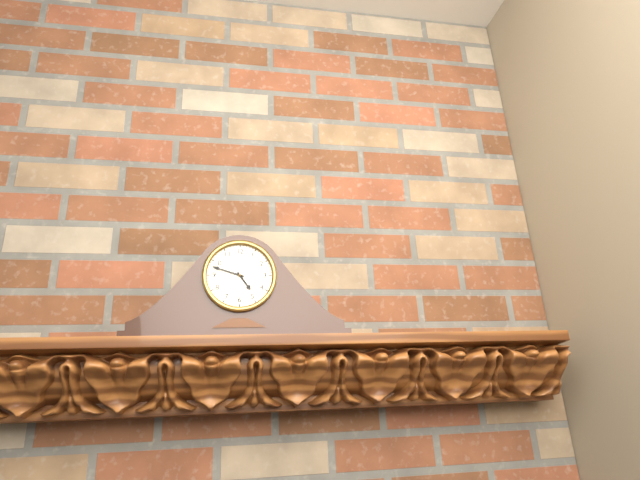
4:48
